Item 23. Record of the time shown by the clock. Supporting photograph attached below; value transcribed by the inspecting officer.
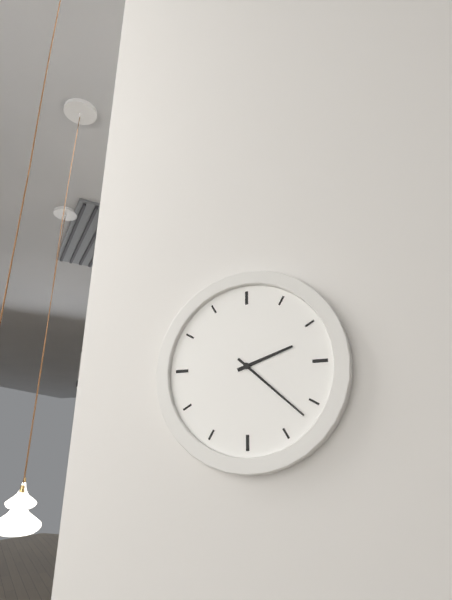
2:22
